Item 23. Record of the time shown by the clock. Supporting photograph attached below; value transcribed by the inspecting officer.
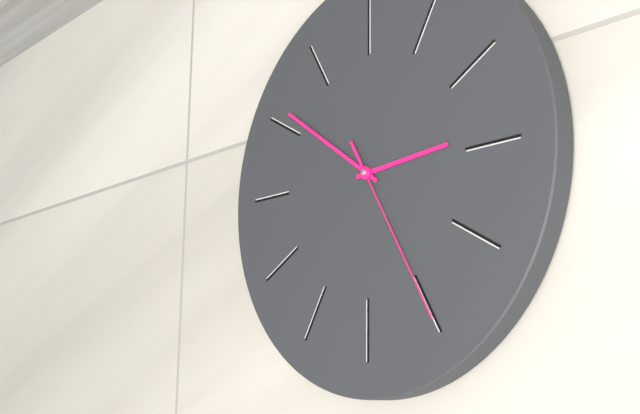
2:51:25
